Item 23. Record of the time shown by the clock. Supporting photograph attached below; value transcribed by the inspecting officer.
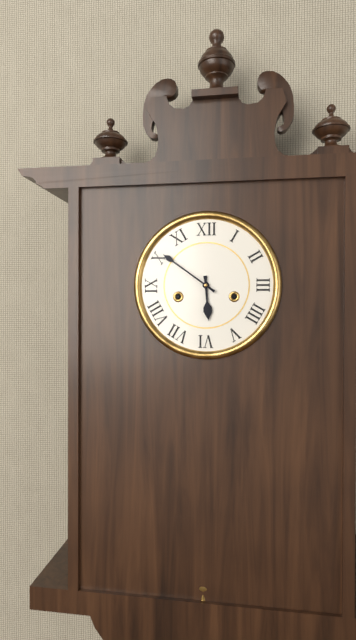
5:51
